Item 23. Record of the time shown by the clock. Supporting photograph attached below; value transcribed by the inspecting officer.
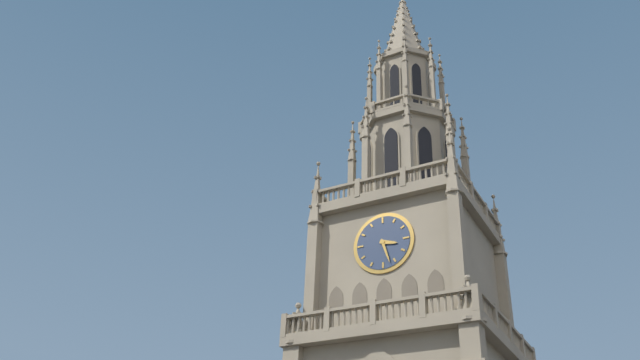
3:27
